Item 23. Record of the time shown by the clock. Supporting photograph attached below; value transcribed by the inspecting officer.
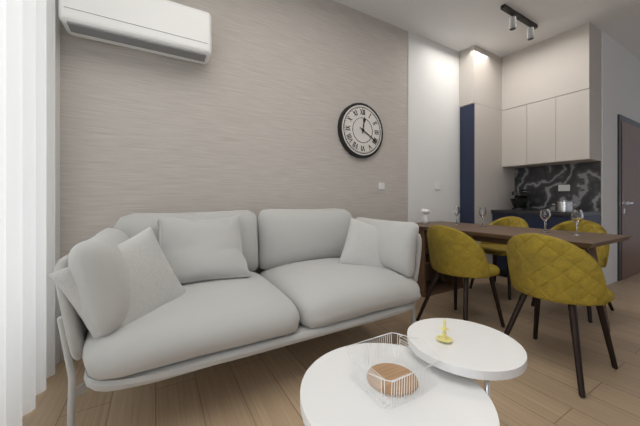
12:20
